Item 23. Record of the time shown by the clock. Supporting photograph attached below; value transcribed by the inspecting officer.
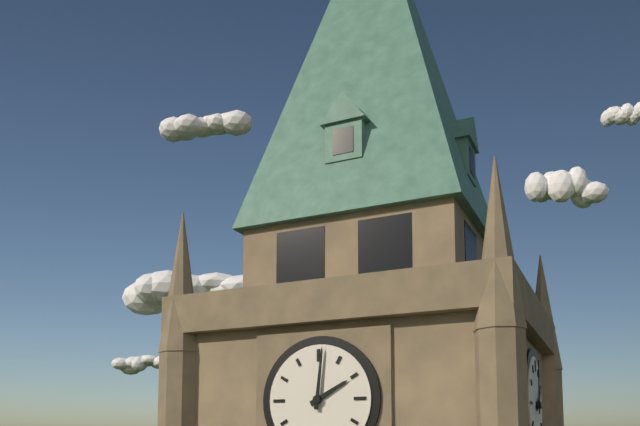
2:01
